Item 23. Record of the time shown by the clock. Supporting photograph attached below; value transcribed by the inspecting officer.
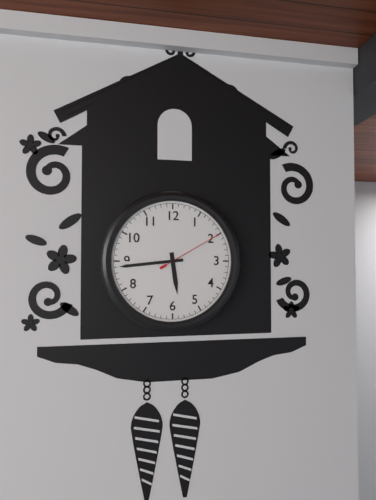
5:44:10
